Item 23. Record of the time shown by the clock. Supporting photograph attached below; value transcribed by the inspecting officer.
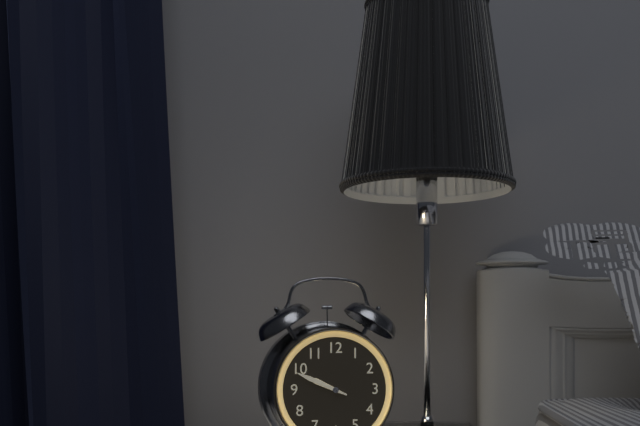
9:49
